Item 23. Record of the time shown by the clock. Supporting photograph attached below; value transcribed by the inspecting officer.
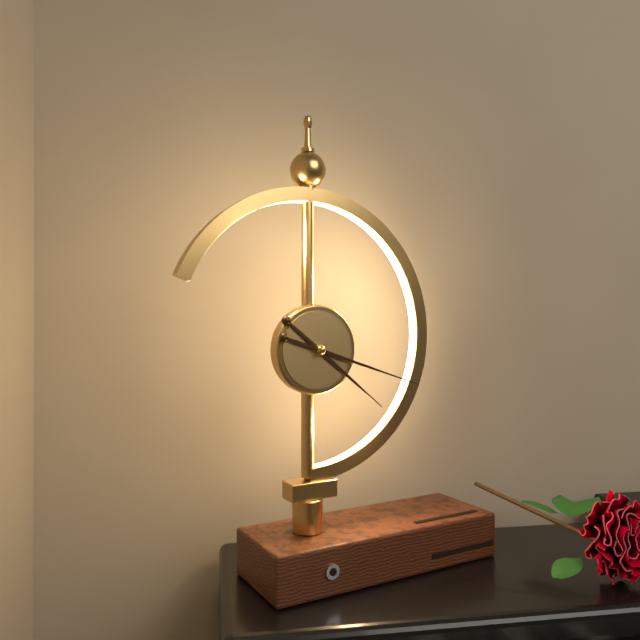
4:18
